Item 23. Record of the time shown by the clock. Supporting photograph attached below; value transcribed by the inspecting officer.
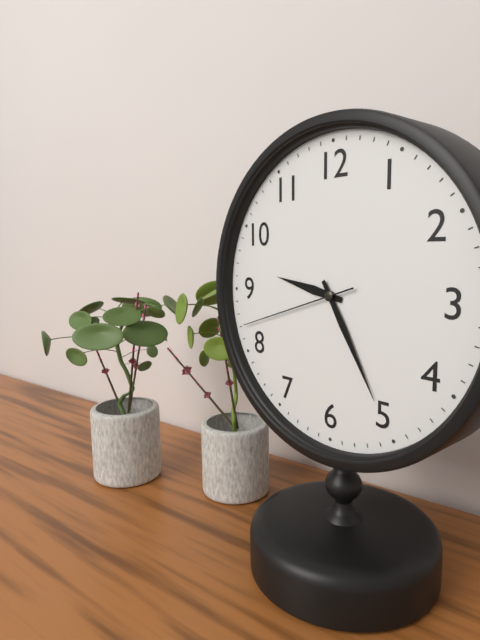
9:25:42
